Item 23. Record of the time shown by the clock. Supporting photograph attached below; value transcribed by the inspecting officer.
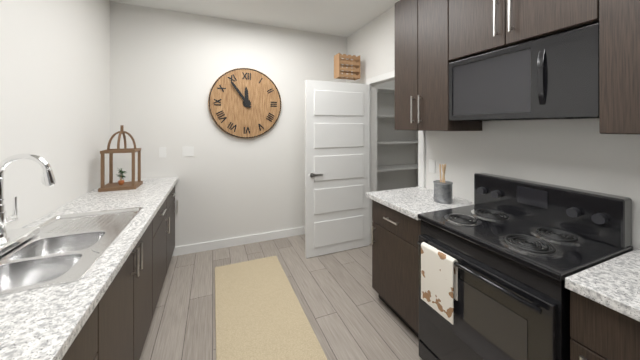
11:54
